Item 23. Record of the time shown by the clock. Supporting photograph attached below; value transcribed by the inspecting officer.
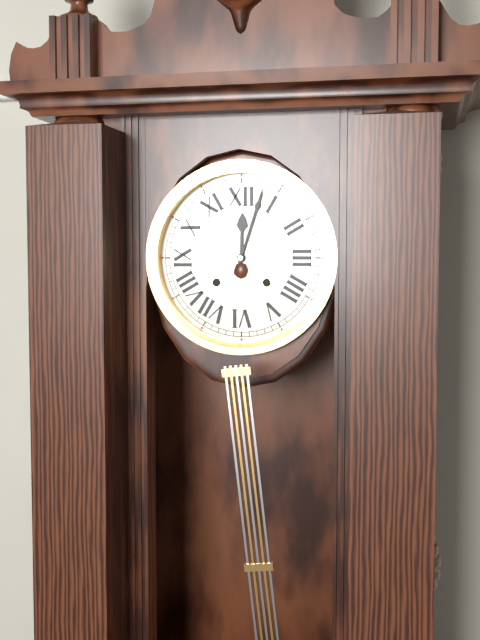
12:03
